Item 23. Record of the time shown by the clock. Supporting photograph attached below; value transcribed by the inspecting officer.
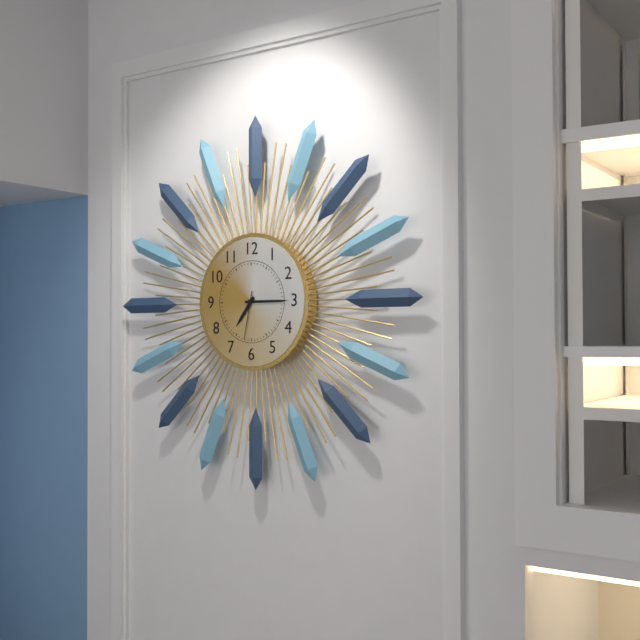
7:15
